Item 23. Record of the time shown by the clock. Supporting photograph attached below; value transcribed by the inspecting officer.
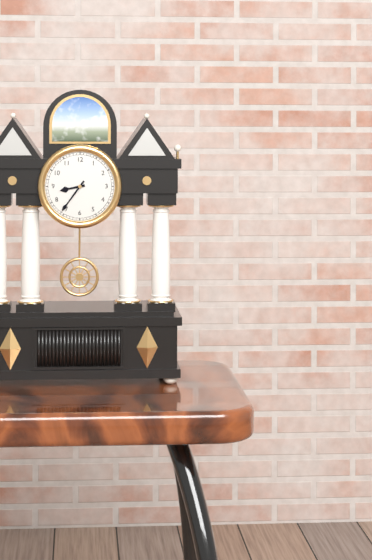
8:36
